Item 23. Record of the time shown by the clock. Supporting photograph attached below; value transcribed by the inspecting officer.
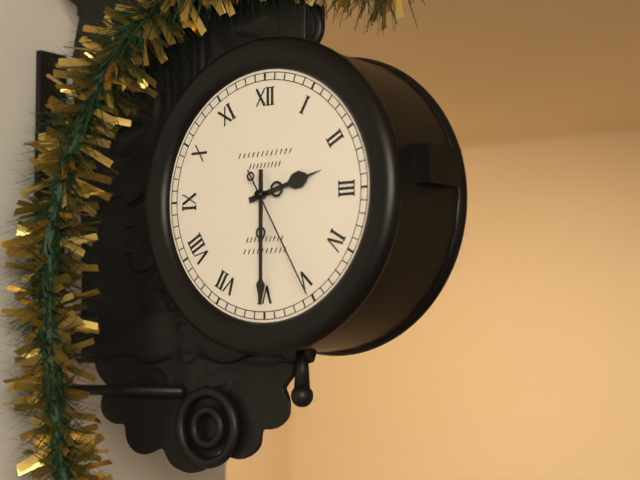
2:30:25
